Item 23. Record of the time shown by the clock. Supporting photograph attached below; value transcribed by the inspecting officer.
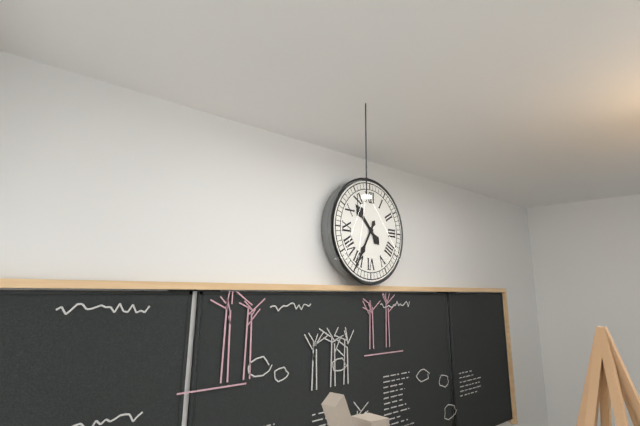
10:35
